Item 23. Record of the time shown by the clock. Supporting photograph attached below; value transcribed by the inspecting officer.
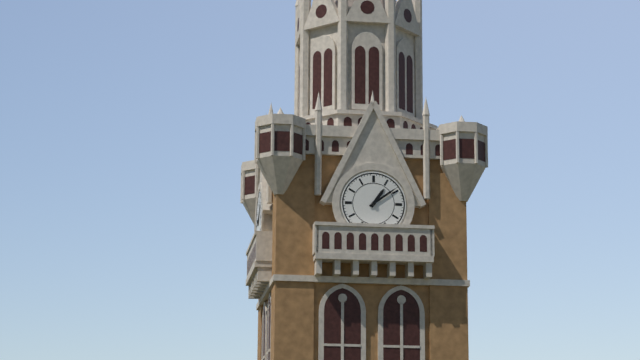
1:09
